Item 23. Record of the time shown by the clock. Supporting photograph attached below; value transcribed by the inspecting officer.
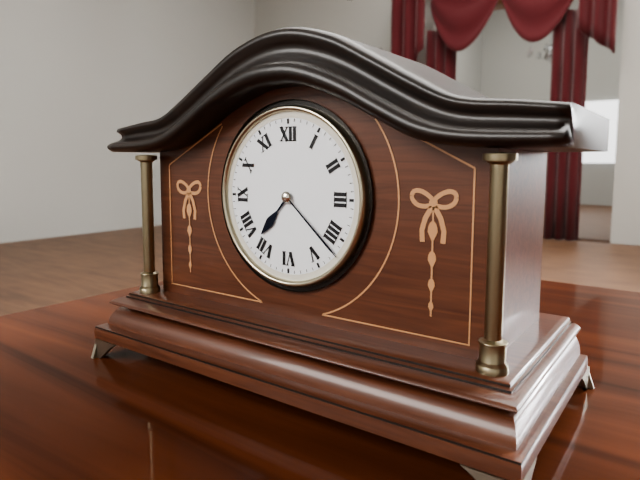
7:22
